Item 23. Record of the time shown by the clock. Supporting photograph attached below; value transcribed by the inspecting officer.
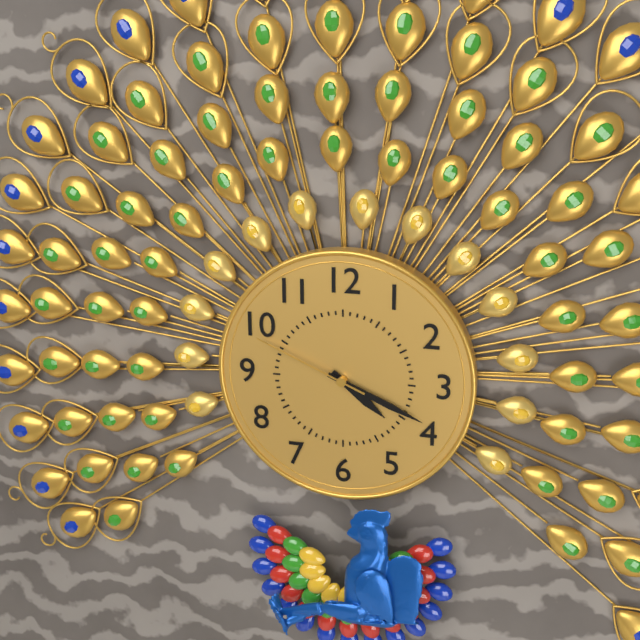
4:19:49
